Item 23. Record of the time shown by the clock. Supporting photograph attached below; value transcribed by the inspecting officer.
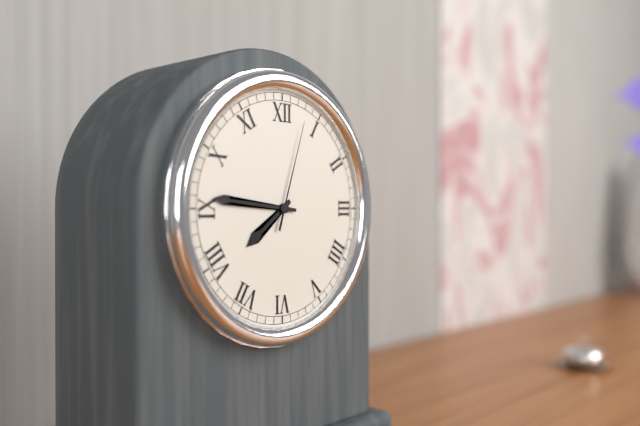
7:46:03
